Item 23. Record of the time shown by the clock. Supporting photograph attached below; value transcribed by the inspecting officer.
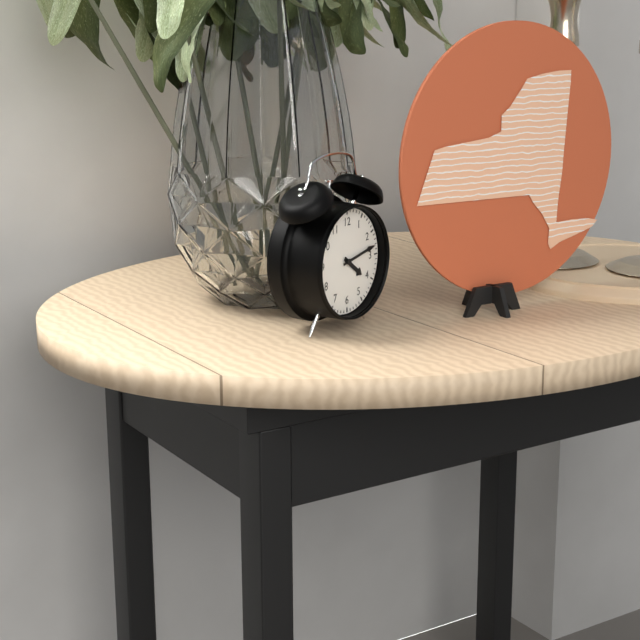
4:13
